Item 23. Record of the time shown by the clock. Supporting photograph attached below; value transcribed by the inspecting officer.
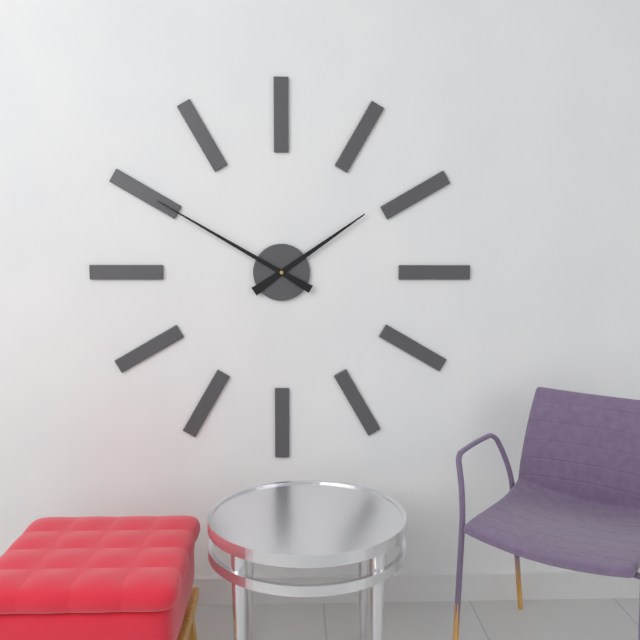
1:50
